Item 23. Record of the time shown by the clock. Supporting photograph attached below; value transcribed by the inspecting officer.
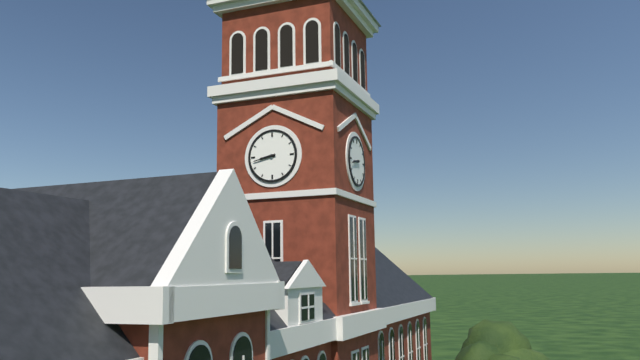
8:43
